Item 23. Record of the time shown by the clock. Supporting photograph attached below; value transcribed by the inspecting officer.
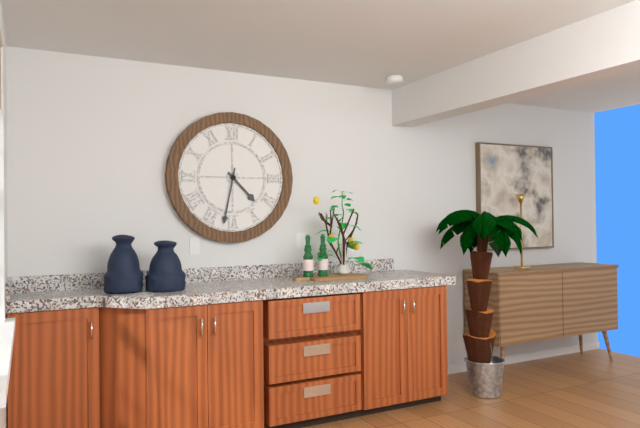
4:32
